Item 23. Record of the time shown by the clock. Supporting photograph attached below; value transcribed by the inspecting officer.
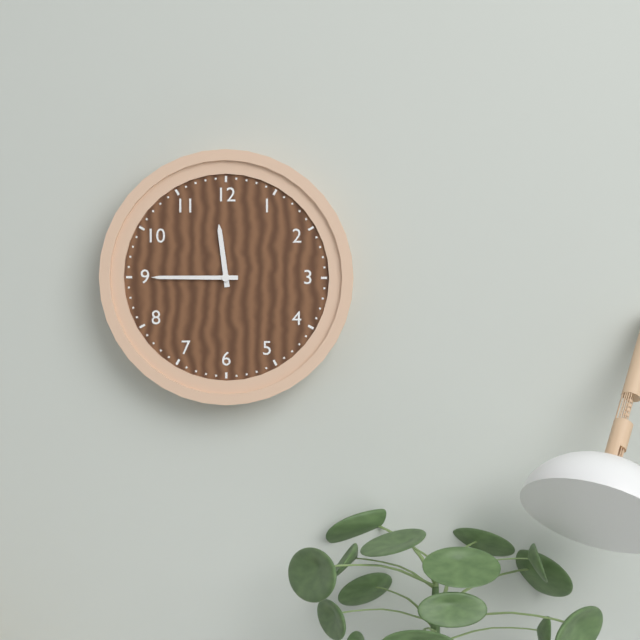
11:45
